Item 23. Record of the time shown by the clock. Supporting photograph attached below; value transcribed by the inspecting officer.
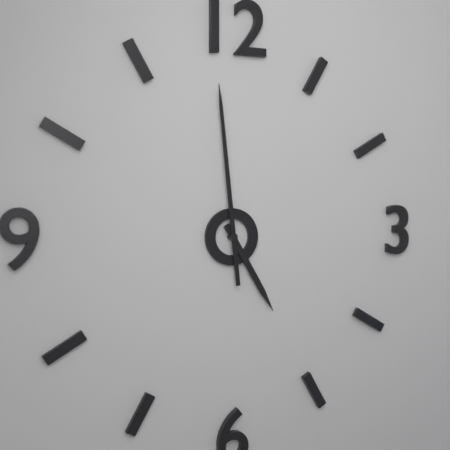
4:59
